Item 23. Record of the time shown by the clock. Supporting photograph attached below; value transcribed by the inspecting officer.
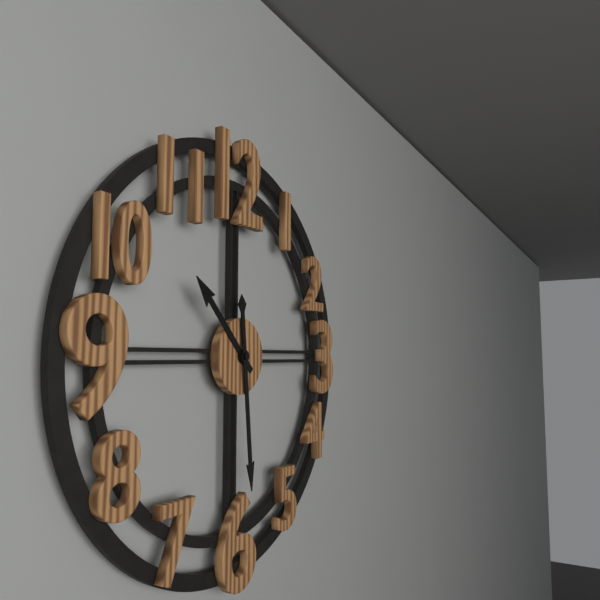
10:29
